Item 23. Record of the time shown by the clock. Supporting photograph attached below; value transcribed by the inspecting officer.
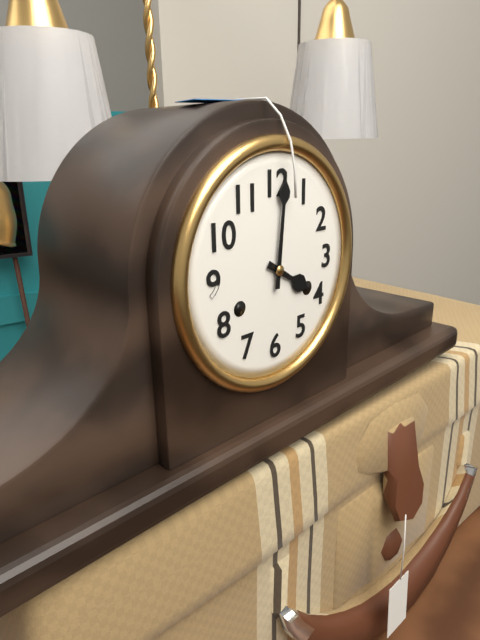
4:01
